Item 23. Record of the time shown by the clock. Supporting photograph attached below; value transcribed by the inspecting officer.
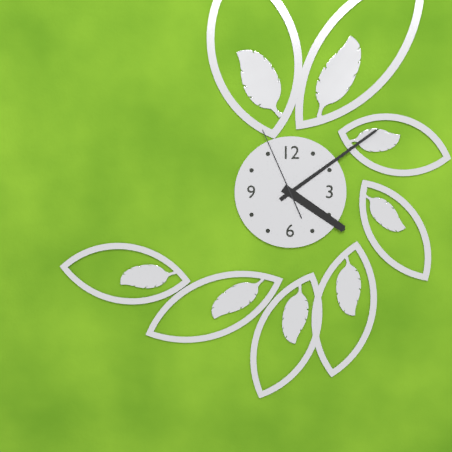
4:09:56
